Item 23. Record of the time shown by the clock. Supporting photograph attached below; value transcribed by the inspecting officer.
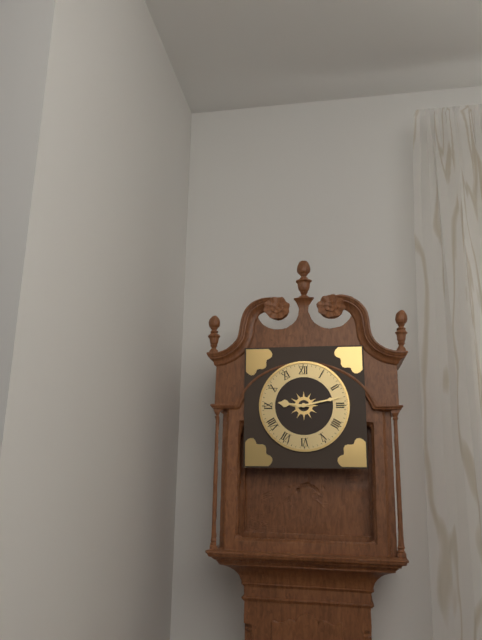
9:13
